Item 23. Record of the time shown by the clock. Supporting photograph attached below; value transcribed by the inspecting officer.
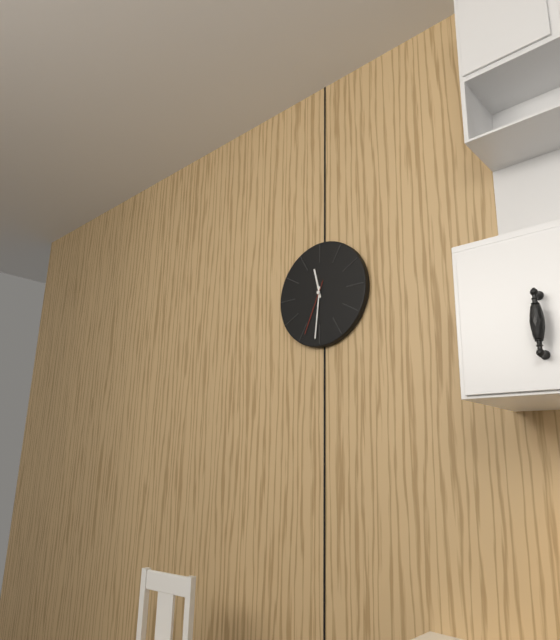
11:31:34
